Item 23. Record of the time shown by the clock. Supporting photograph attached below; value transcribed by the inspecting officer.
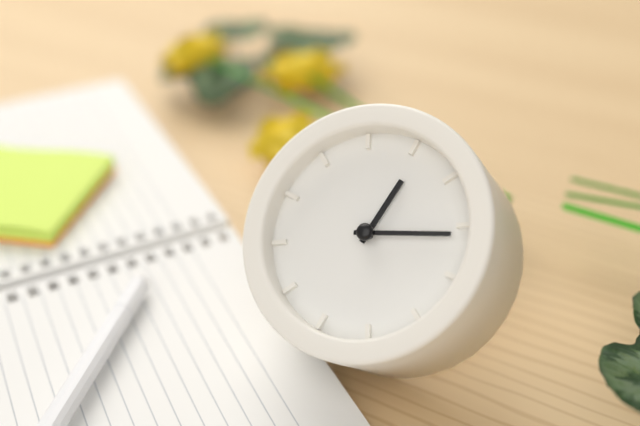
12:11
